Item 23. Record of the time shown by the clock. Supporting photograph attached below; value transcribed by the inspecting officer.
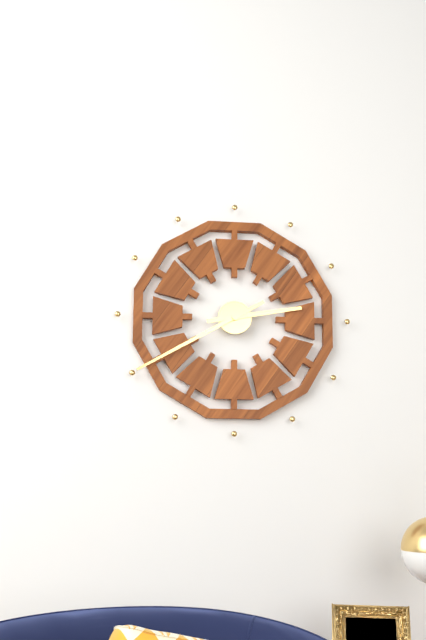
2:40
